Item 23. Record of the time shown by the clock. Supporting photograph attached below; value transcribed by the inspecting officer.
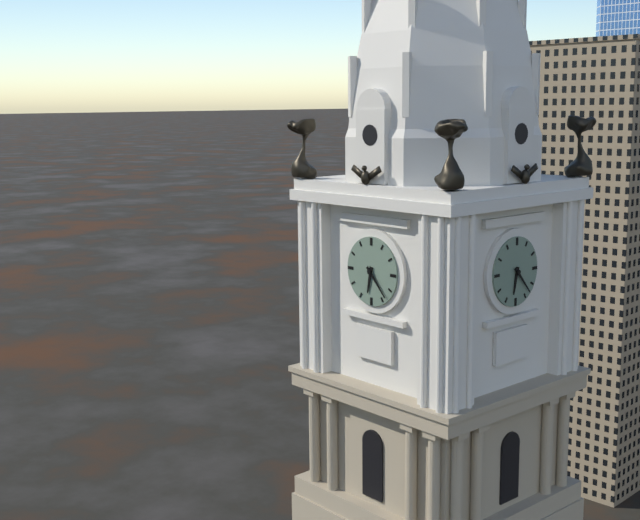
6:23
